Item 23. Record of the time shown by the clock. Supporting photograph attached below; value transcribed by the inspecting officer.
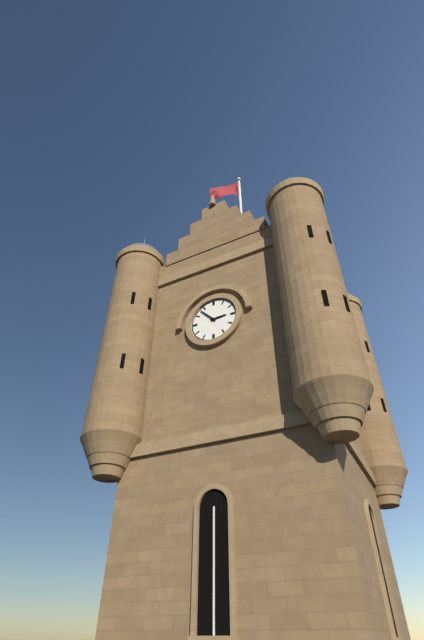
2:53
